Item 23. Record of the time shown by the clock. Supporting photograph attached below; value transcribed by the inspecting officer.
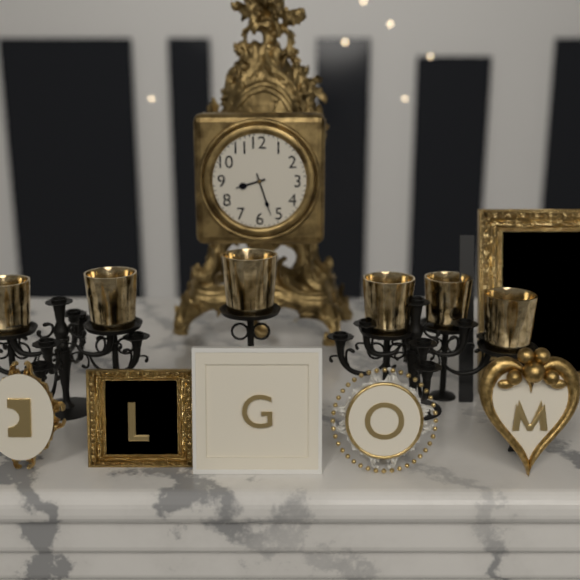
8:27
